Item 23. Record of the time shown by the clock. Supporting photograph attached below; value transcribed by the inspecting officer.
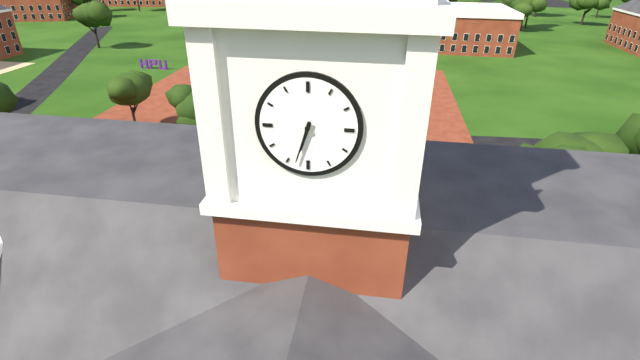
6:33
